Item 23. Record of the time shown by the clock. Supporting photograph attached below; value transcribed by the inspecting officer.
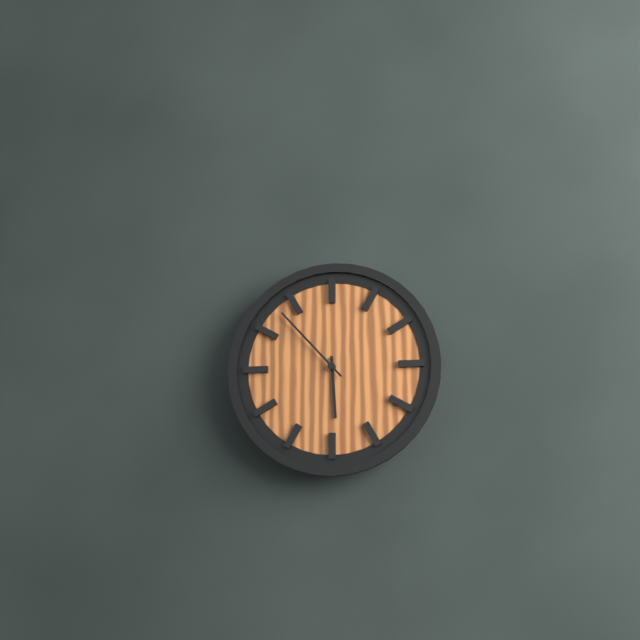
5:53
